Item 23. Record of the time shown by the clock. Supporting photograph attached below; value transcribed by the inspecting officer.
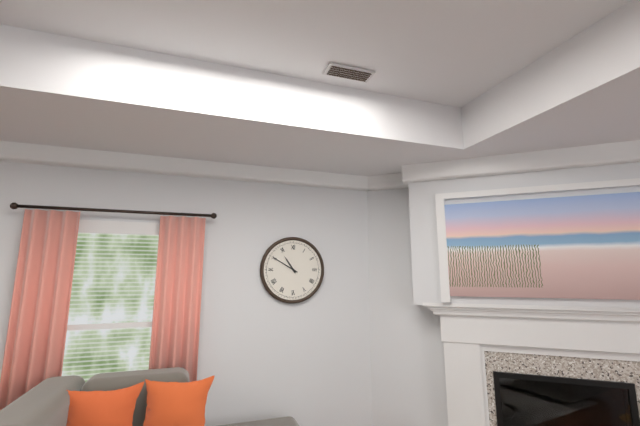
10:50
